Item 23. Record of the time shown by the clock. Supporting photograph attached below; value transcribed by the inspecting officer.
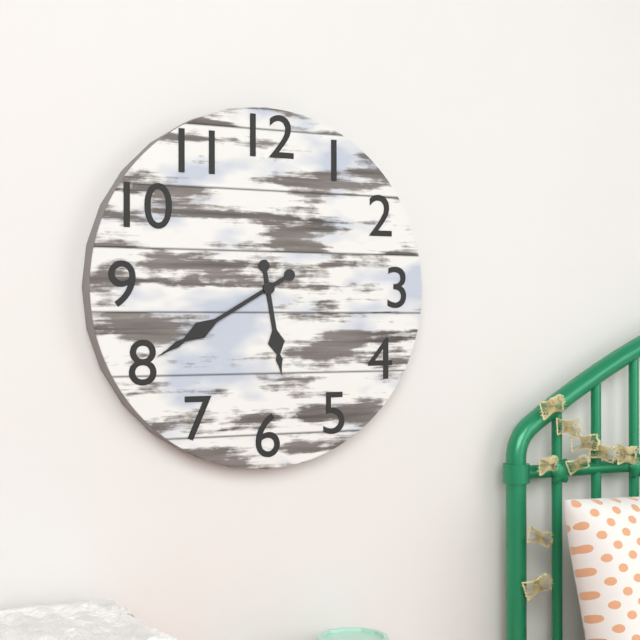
5:40
